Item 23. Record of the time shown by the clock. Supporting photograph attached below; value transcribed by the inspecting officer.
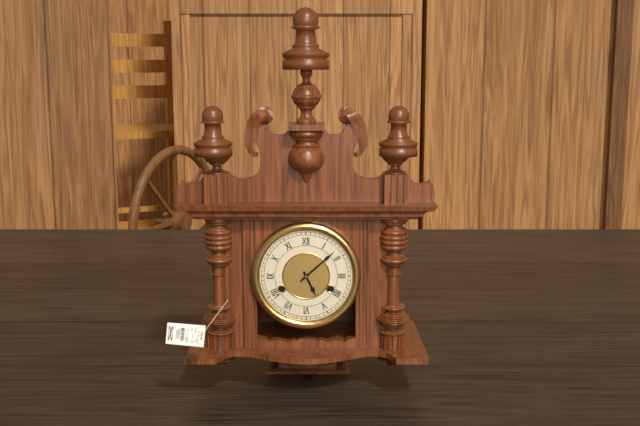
5:08
